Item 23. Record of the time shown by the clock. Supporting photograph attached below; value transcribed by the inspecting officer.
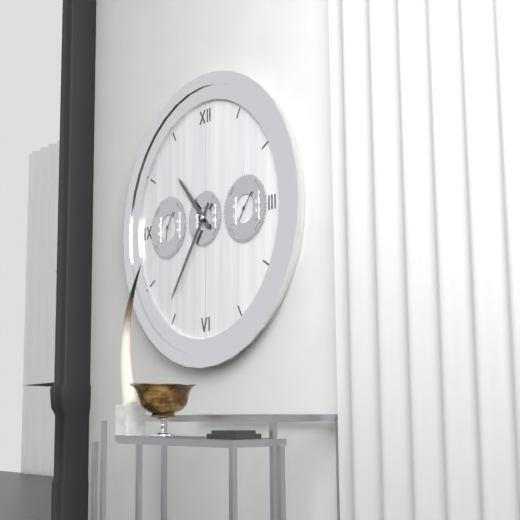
10:36
